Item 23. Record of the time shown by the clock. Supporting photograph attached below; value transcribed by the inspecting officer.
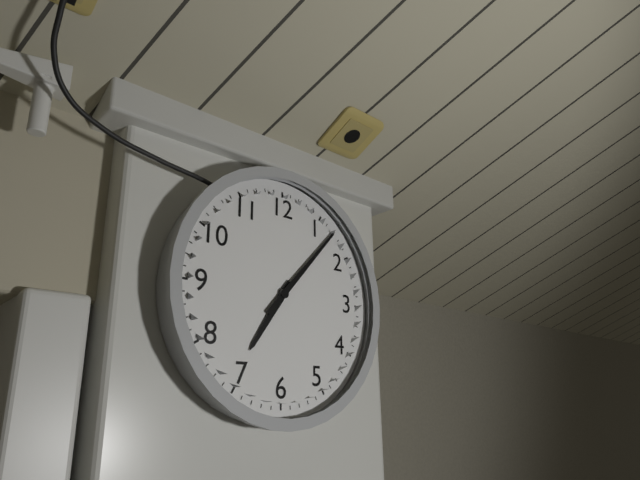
7:07
